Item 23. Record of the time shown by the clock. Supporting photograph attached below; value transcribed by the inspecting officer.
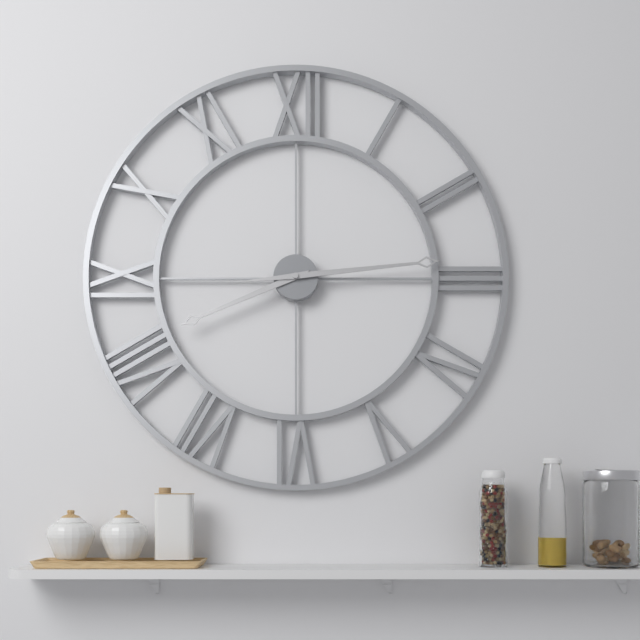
8:14
